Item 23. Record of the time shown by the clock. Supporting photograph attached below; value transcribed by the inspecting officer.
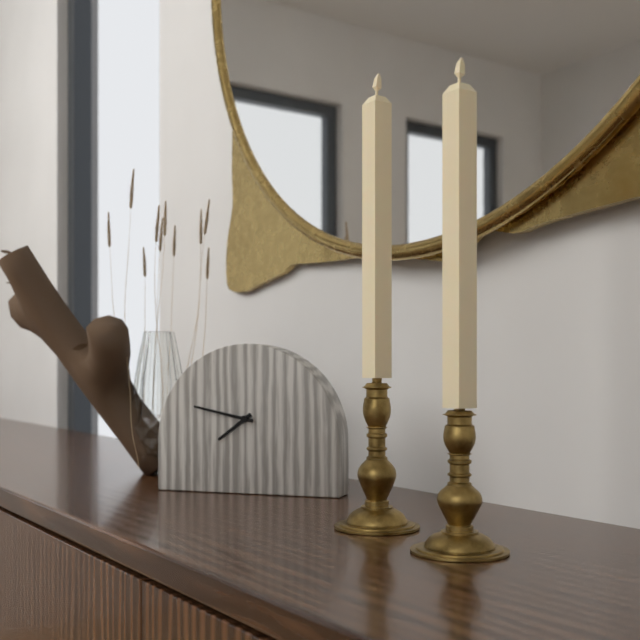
7:47
